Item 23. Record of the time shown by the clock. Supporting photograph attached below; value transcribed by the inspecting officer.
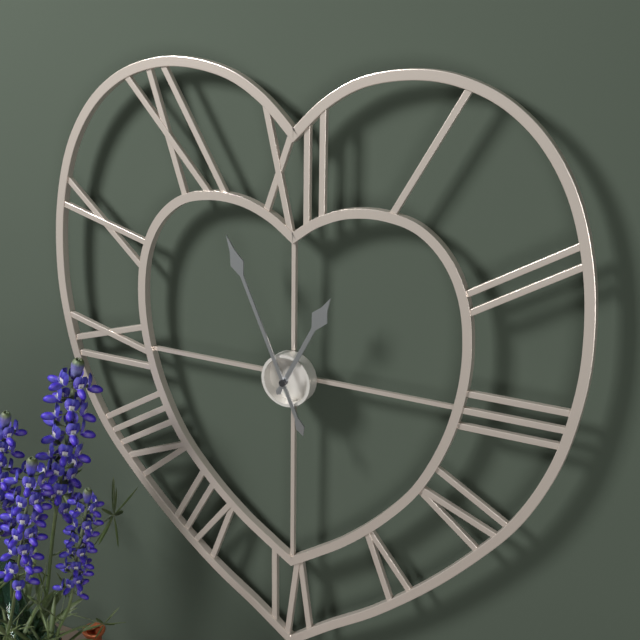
12:56
